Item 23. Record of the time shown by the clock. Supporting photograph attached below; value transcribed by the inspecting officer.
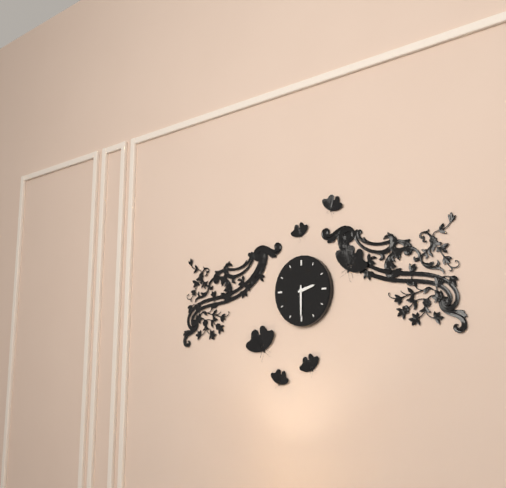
2:30
